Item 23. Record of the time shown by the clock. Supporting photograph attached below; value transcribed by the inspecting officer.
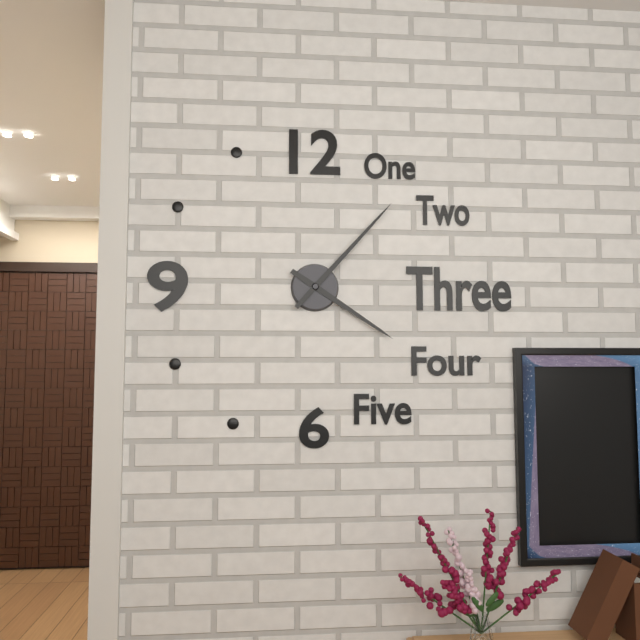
4:07
